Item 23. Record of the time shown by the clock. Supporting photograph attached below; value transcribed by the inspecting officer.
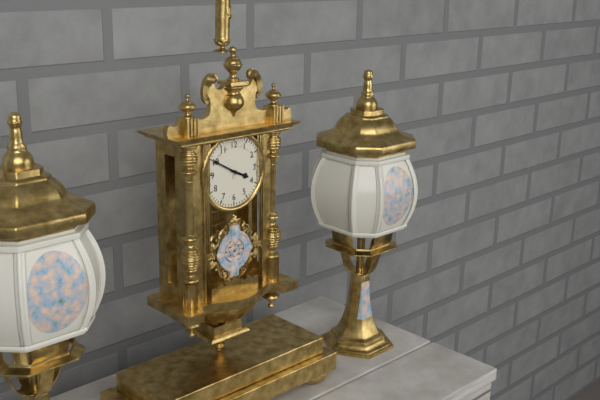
3:50
